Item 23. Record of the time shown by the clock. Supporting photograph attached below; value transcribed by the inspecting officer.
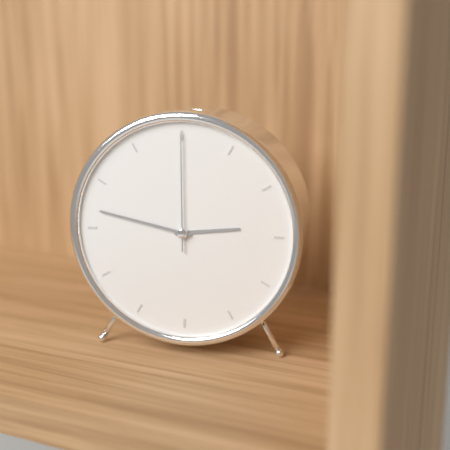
2:47:00
